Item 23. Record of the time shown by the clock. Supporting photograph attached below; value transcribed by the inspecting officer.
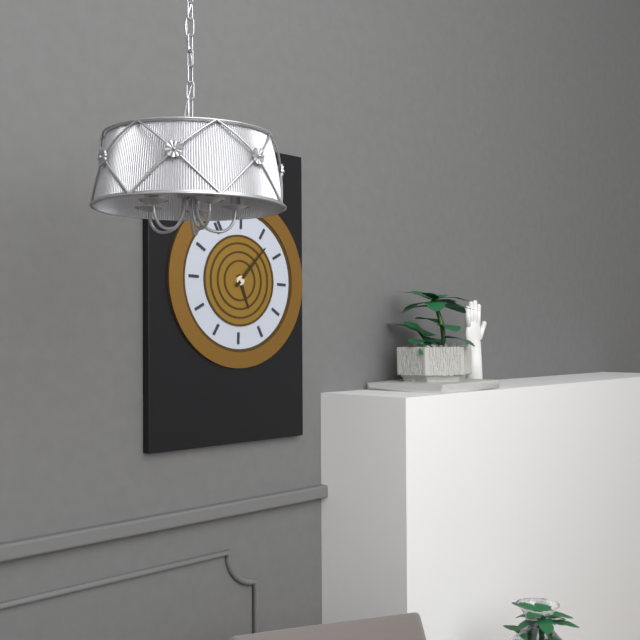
6:12
